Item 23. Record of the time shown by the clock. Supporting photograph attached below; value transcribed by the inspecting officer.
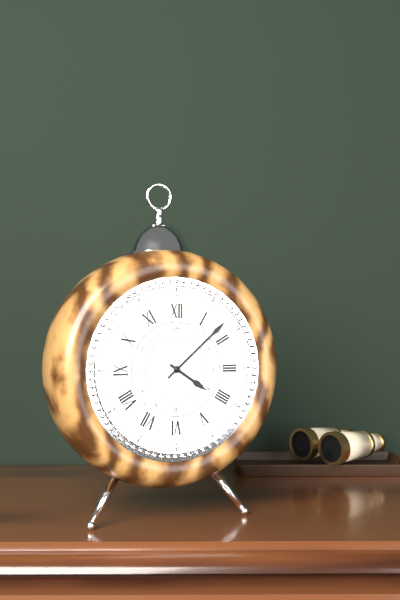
4:08
